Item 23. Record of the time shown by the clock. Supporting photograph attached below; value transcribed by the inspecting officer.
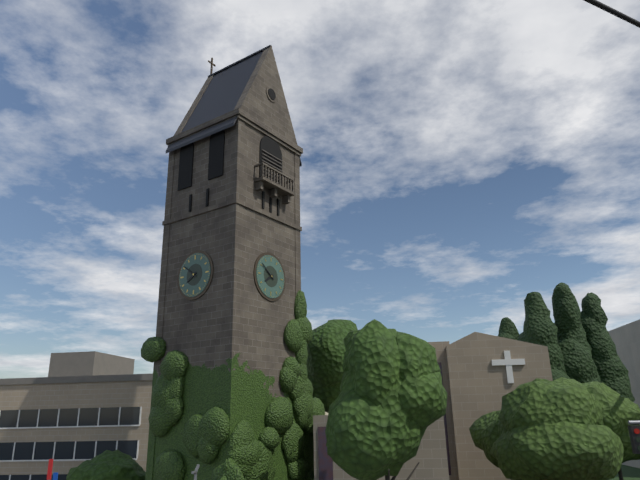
7:51
